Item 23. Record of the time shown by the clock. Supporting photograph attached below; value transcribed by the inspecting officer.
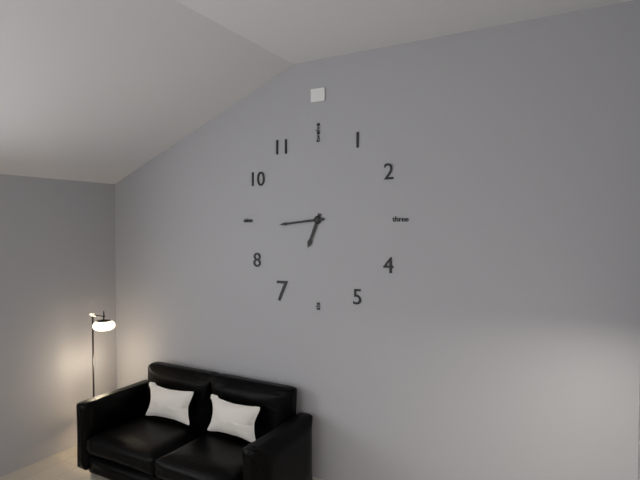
6:44
